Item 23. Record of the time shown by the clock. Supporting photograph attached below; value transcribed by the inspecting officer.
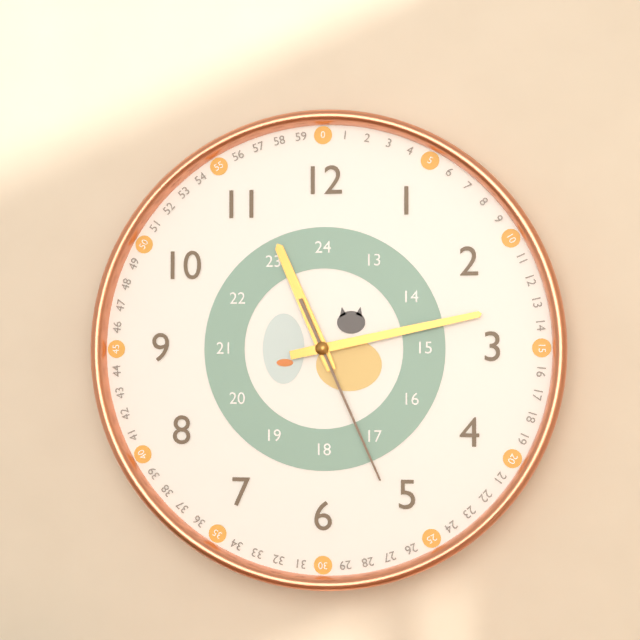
11:13:26
